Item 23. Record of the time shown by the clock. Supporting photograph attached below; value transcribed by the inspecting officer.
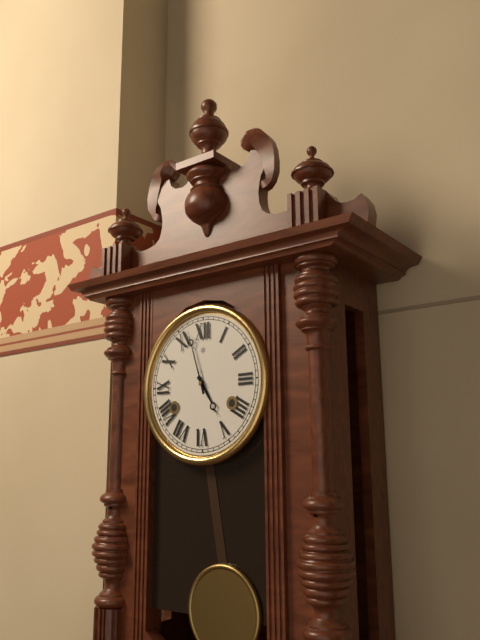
4:57
